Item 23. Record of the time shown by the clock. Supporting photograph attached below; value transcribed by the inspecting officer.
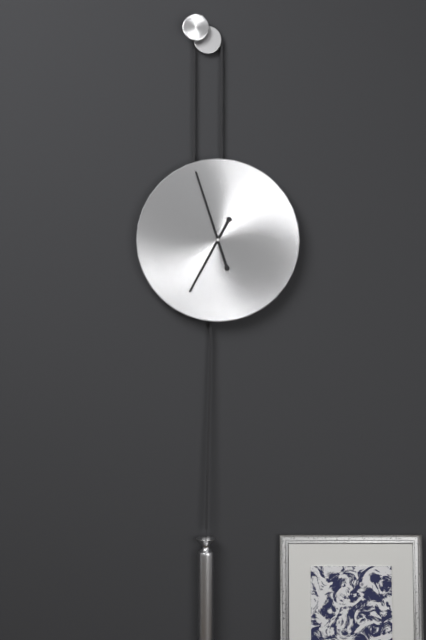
6:57
